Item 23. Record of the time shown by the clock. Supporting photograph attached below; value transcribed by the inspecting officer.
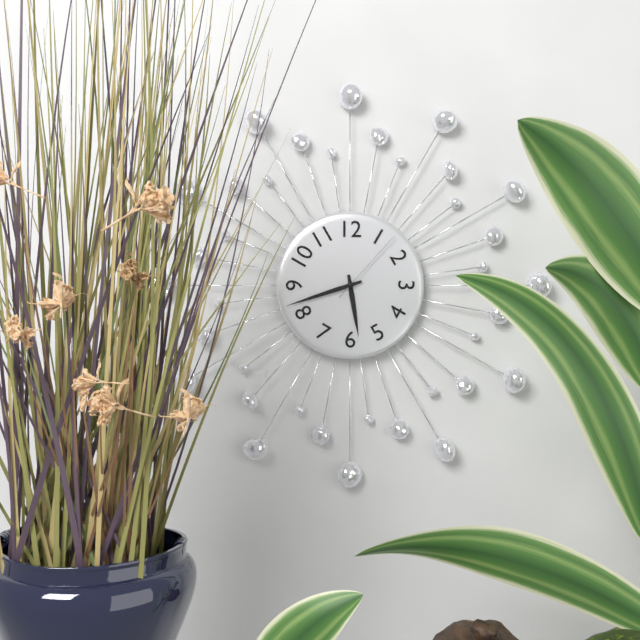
5:42:07
